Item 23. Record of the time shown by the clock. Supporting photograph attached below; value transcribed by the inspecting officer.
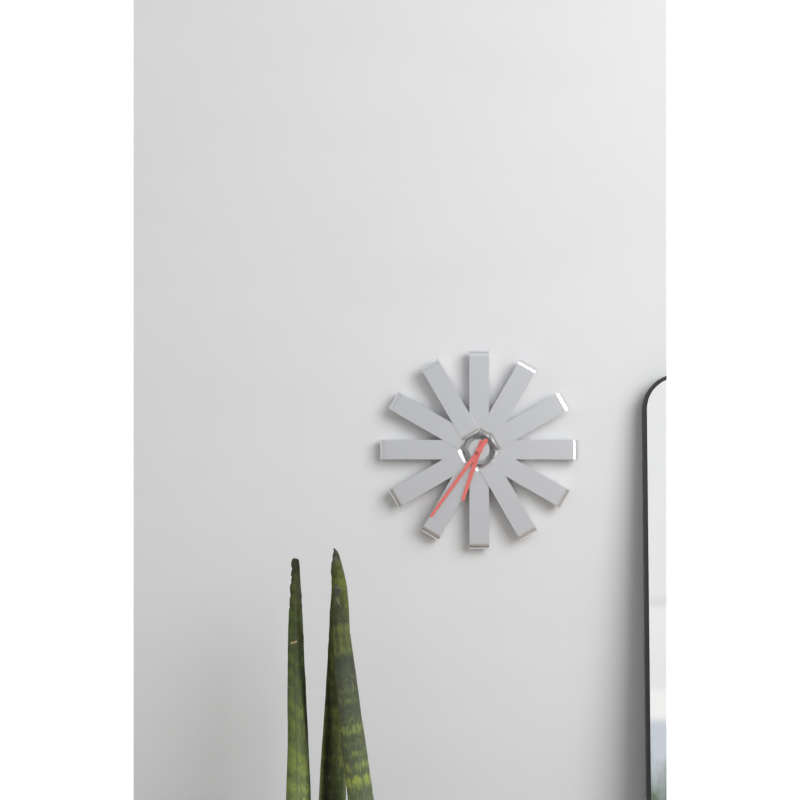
6:36
